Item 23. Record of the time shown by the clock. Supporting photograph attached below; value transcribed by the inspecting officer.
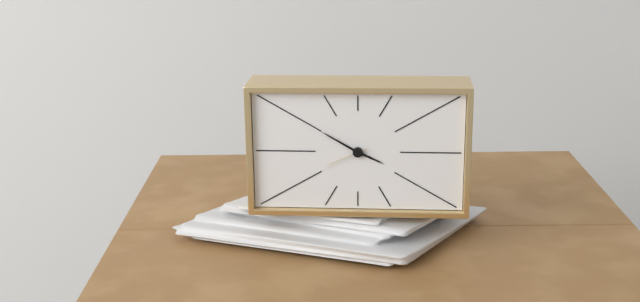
3:50
